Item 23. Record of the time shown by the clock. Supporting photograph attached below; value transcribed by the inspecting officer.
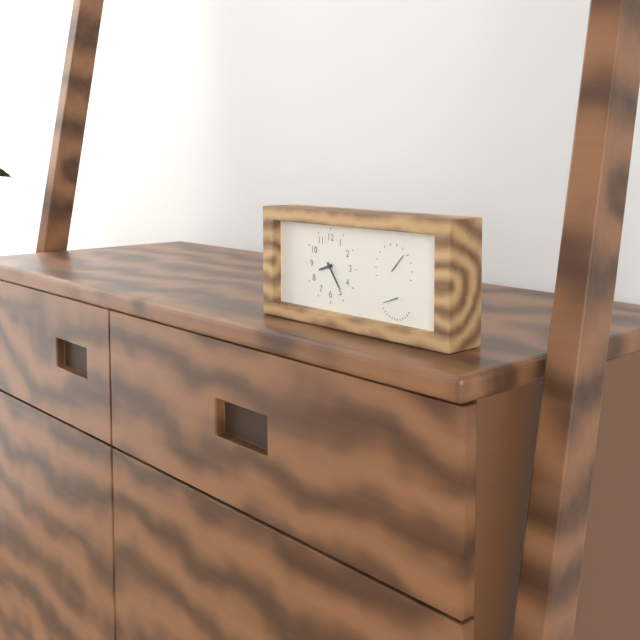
8:24
